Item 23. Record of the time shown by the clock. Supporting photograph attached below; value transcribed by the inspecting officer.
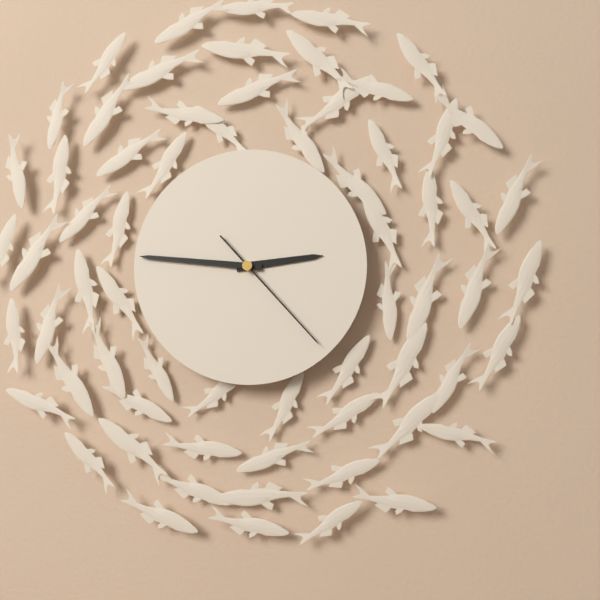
2:46:23
